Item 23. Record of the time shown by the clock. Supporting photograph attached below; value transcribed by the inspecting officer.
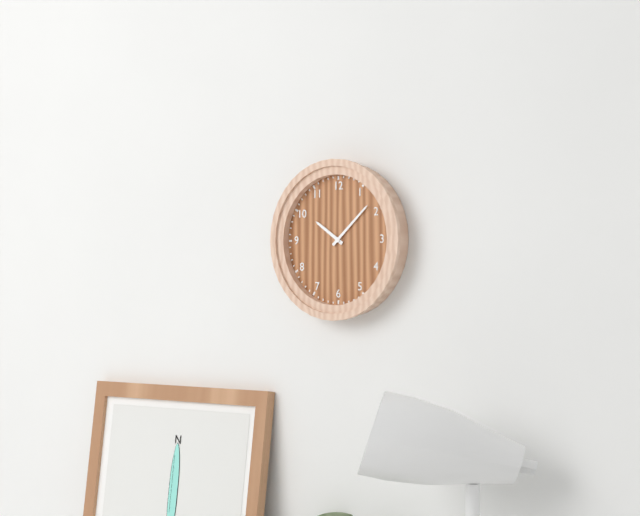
10:08
